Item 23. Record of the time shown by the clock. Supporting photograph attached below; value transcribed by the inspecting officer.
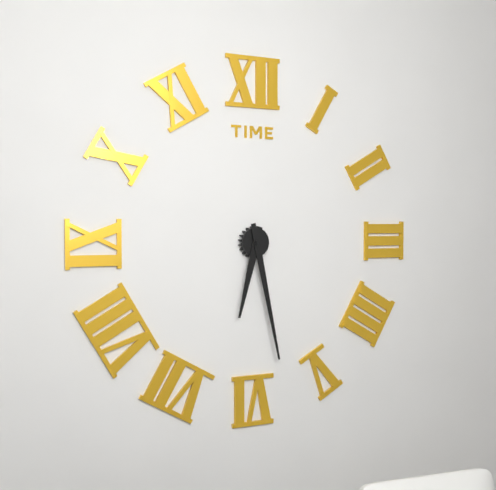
6:28
